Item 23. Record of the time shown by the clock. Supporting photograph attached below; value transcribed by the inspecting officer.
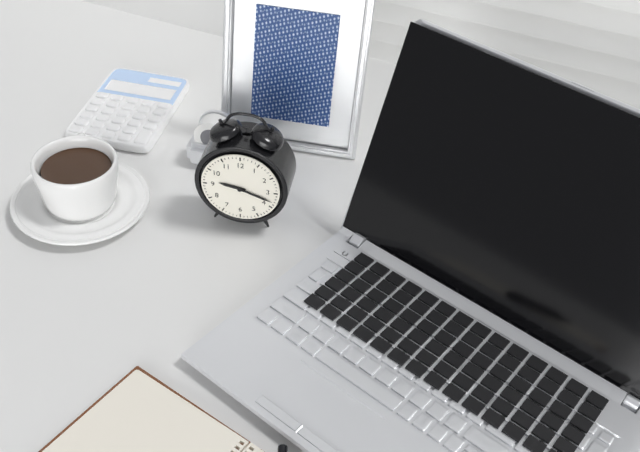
9:18
